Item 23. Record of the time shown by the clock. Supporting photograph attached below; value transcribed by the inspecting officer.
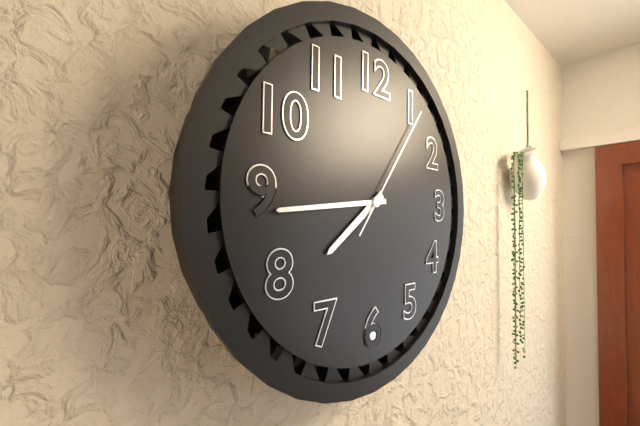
7:44:06
